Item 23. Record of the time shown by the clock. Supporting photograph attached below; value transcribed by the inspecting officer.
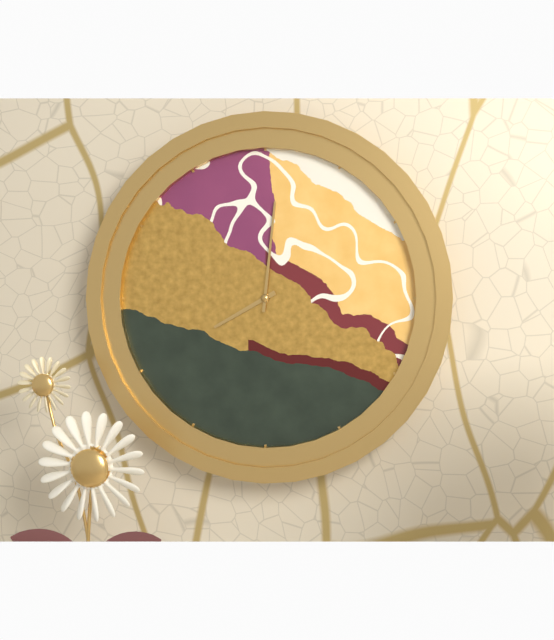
8:01
